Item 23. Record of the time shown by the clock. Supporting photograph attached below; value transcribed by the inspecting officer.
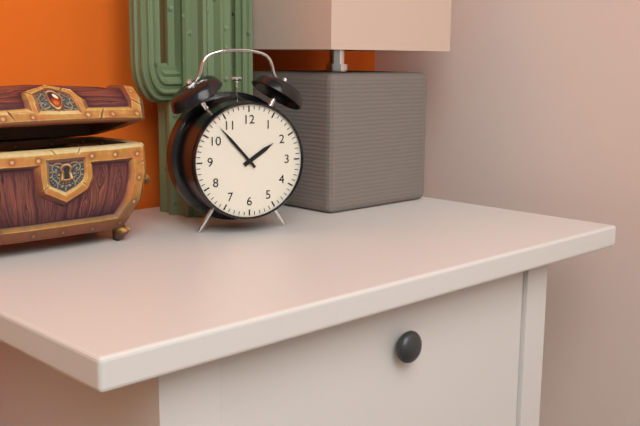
1:53
